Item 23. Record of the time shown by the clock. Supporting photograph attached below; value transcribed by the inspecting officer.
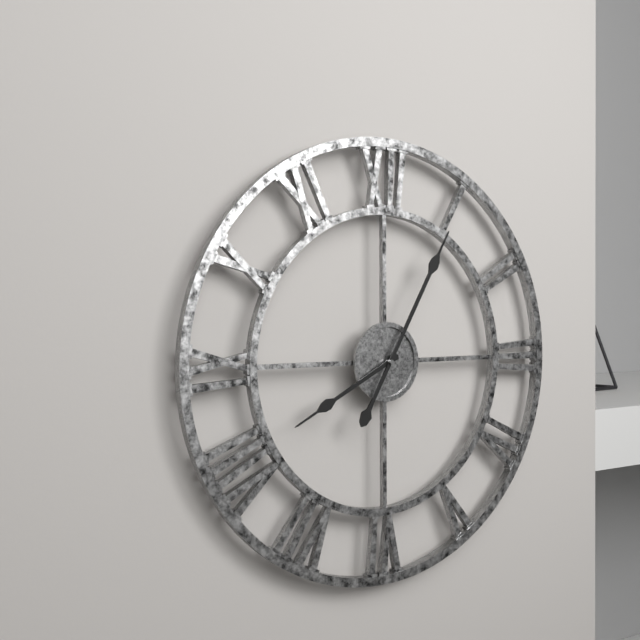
8:05
